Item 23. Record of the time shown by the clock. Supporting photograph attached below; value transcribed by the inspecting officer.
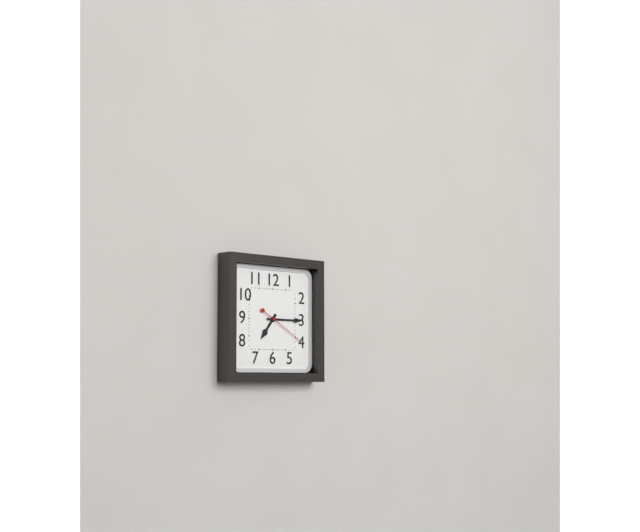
7:15:20
